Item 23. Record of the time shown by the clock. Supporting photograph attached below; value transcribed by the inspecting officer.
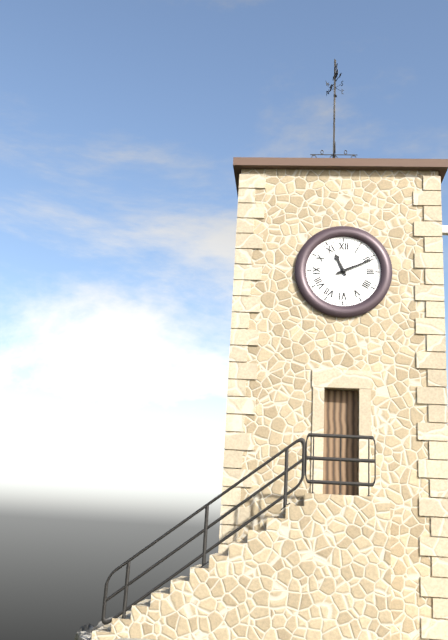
11:11
